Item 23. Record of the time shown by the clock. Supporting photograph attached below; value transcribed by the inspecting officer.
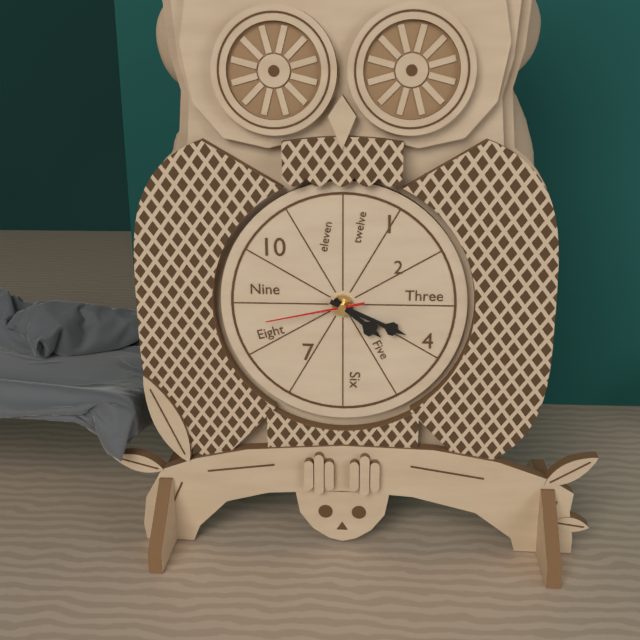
4:19:43
